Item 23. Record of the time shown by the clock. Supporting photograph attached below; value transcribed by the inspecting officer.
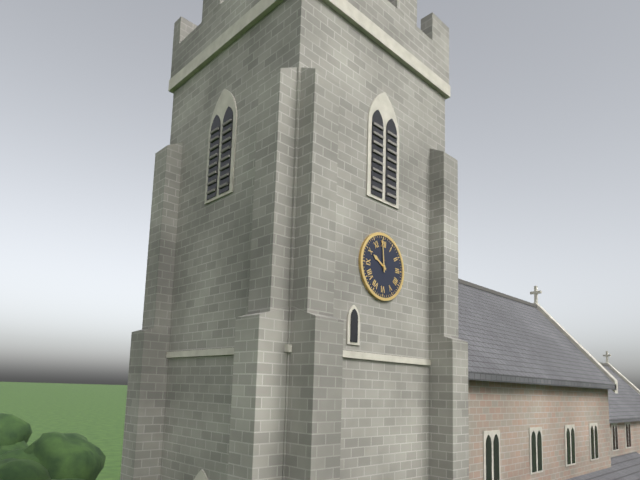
9:59
